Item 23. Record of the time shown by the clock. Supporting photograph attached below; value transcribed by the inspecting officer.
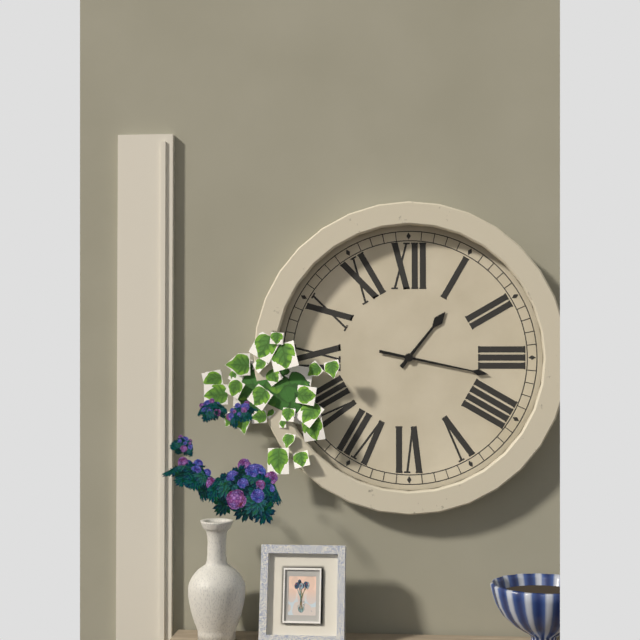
1:17
